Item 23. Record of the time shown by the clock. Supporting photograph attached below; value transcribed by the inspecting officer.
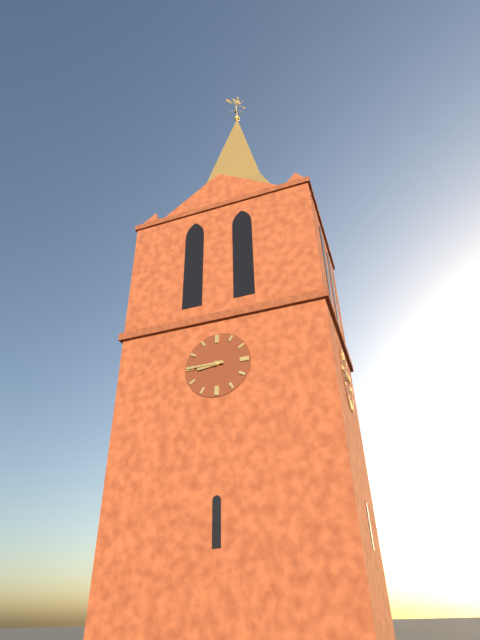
8:45
